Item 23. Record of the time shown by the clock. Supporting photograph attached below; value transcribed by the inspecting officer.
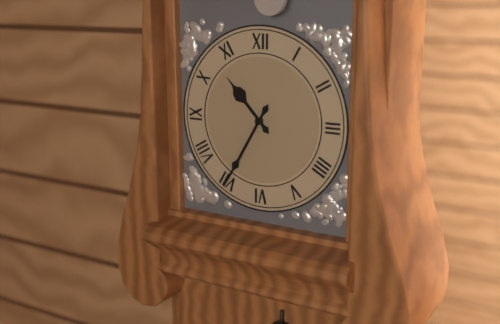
10:35
